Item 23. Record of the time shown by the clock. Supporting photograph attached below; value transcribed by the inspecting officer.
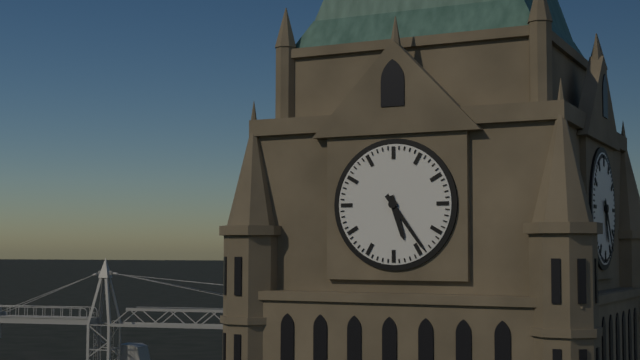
5:24
